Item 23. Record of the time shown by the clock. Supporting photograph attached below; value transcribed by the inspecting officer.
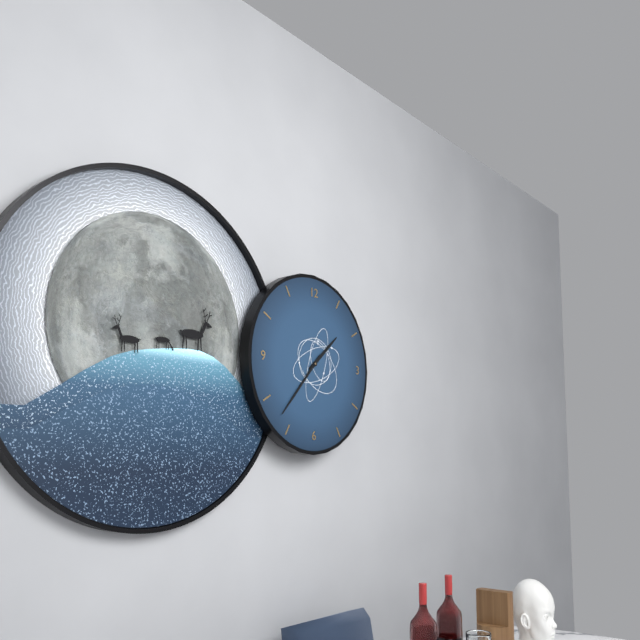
1:37
